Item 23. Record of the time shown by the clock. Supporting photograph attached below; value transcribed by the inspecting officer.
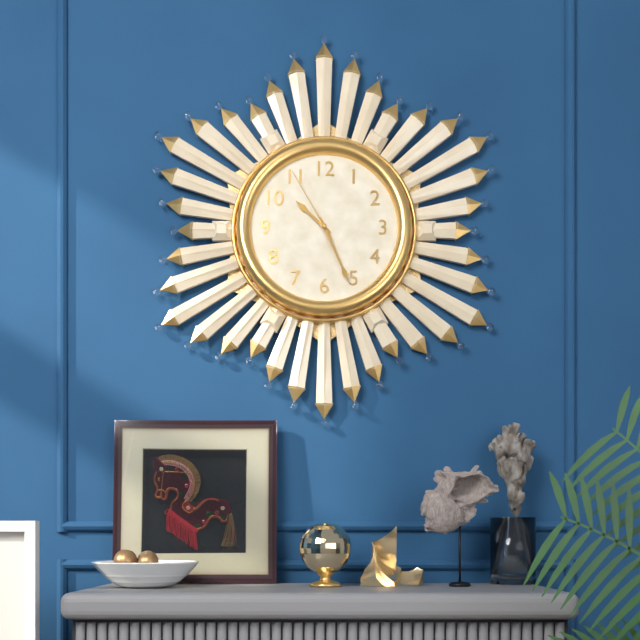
10:26:55
